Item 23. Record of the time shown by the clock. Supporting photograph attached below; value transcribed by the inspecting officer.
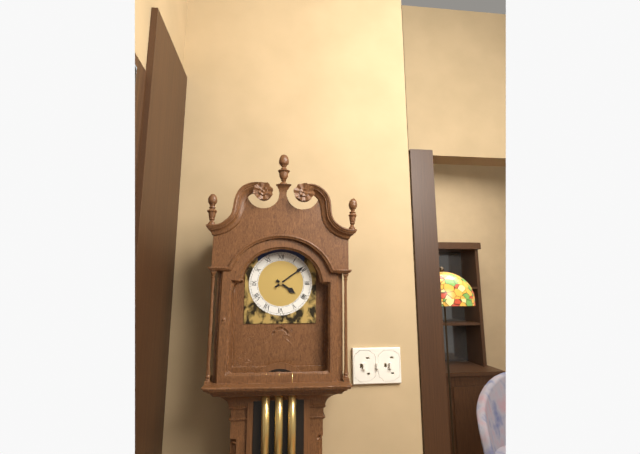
4:09
